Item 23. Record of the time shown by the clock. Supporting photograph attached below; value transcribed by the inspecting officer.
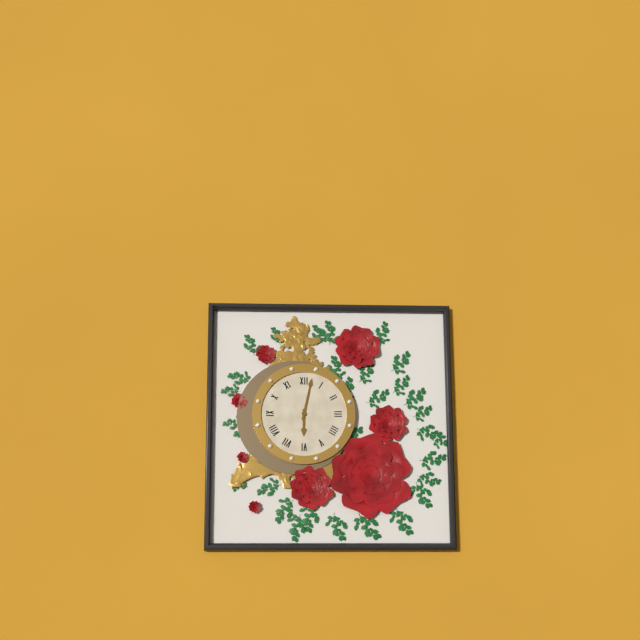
6:02
